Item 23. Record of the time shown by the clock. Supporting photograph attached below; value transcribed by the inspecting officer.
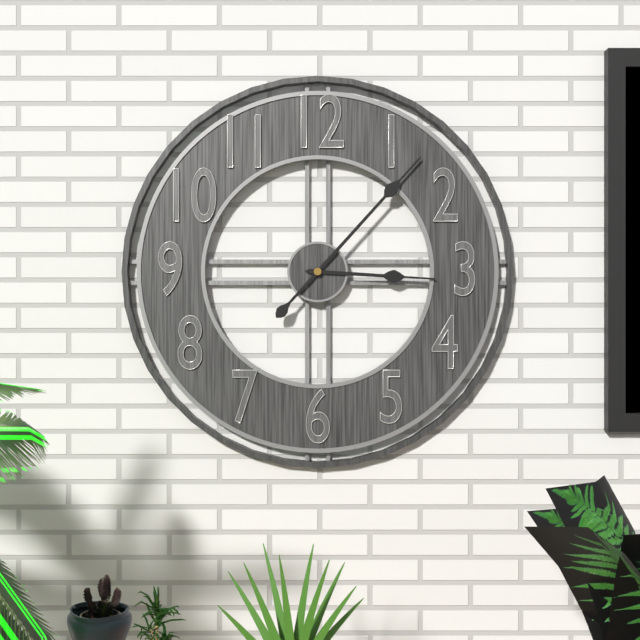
3:07
